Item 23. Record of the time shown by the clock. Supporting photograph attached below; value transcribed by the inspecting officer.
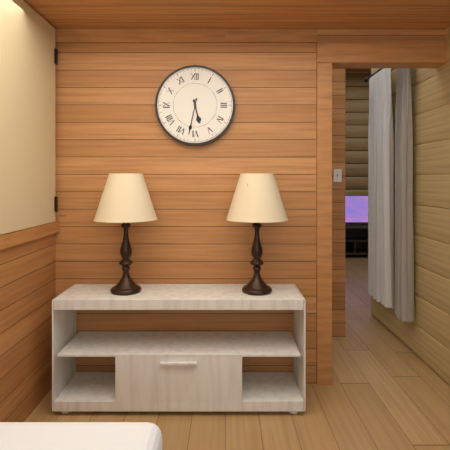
5:32
